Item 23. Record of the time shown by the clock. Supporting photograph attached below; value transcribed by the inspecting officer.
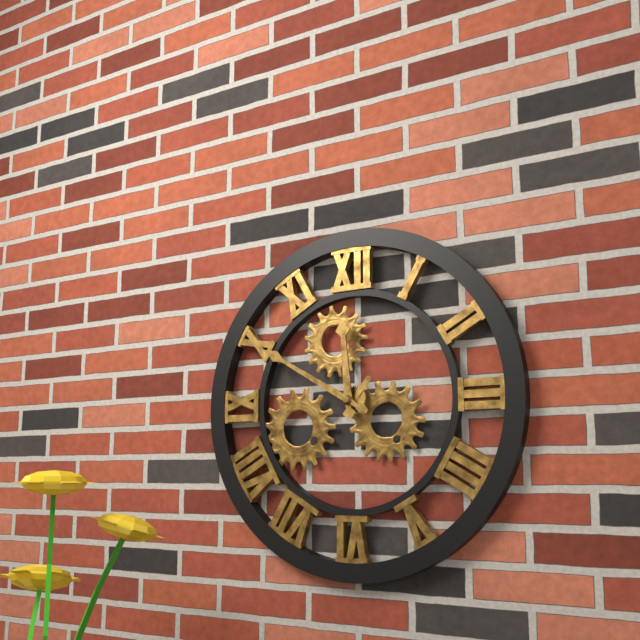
11:50
